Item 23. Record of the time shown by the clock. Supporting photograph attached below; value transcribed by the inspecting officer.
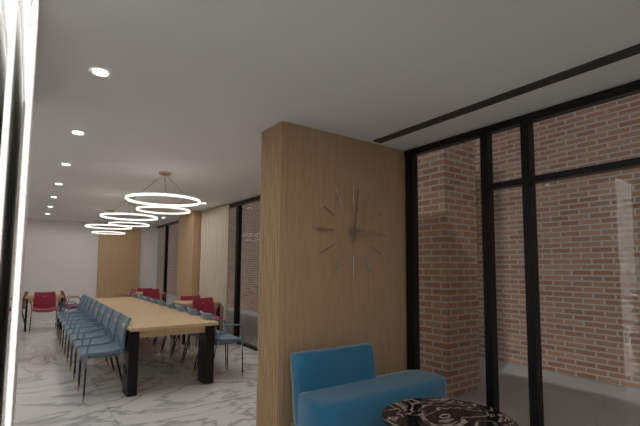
3:01
